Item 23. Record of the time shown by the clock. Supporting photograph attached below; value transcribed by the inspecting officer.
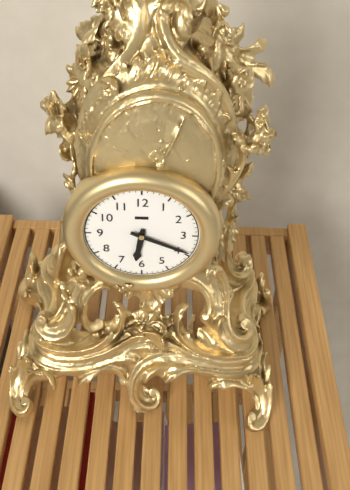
6:19
